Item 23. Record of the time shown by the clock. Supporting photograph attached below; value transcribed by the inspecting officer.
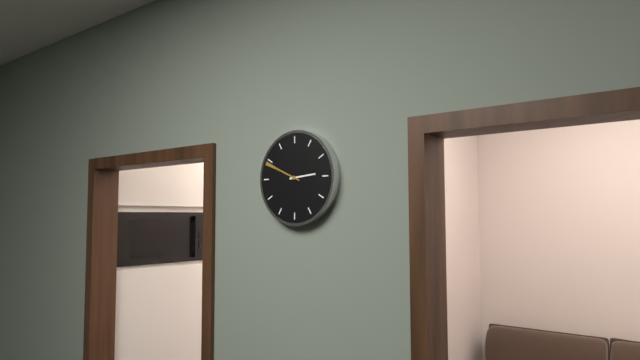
2:49
